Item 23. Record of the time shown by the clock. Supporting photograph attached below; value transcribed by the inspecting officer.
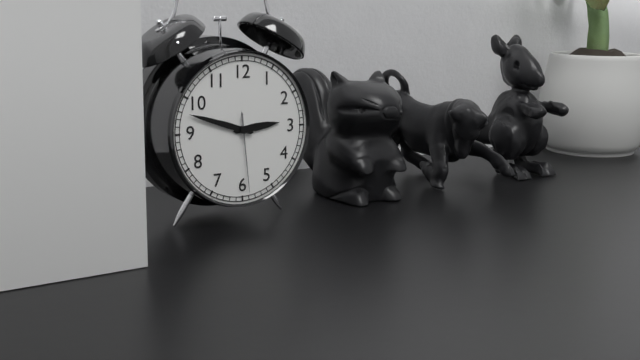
2:48:29
